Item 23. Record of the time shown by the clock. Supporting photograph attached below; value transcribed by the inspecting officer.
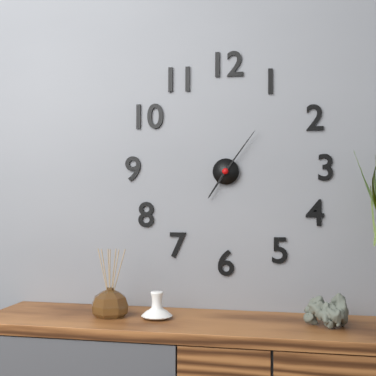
7:06
